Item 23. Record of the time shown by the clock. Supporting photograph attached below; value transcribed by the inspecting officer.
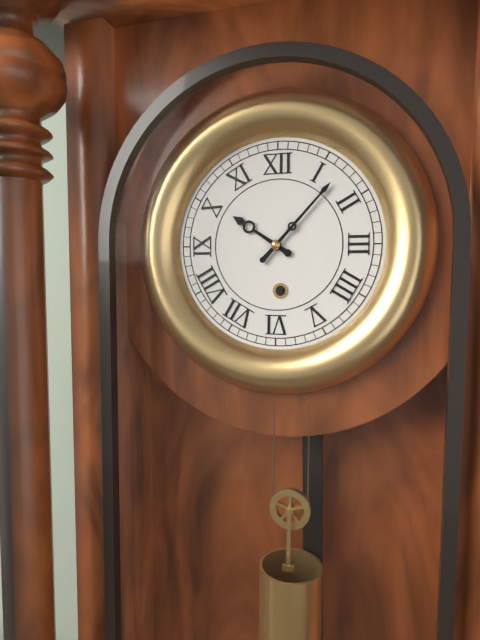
10:07
